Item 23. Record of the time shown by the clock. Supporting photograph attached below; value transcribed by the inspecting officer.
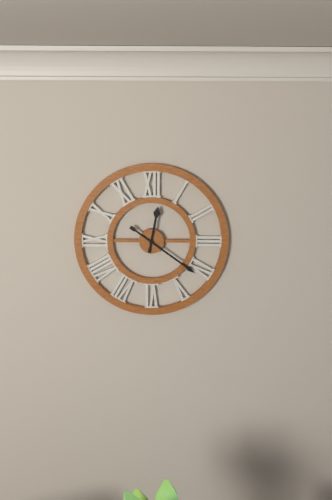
12:21
